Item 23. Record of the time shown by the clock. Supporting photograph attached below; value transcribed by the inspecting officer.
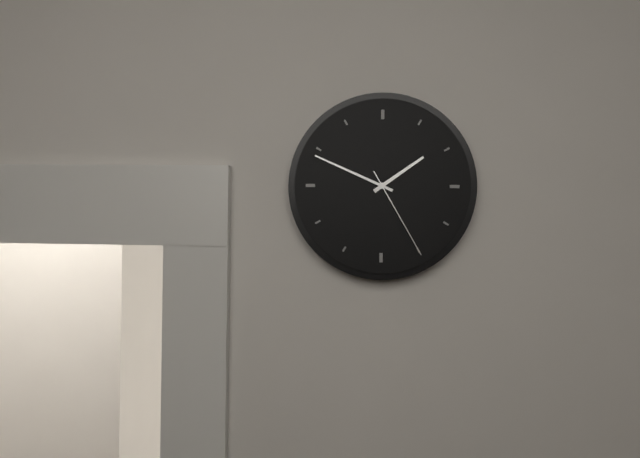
1:49:25
